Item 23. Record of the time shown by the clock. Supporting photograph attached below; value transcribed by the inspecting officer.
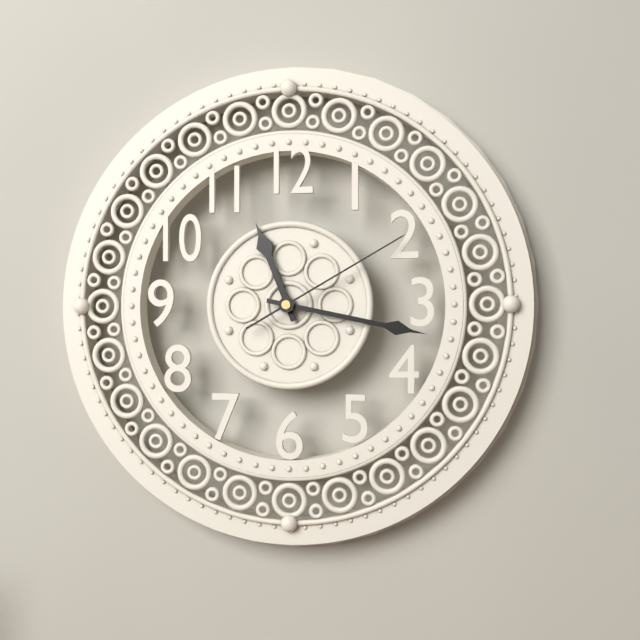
11:17:10
